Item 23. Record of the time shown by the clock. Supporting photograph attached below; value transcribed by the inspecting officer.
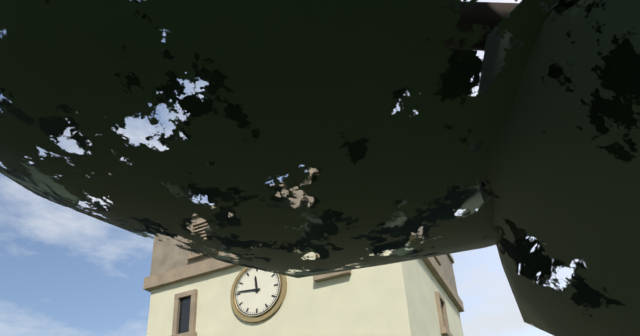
11:46
